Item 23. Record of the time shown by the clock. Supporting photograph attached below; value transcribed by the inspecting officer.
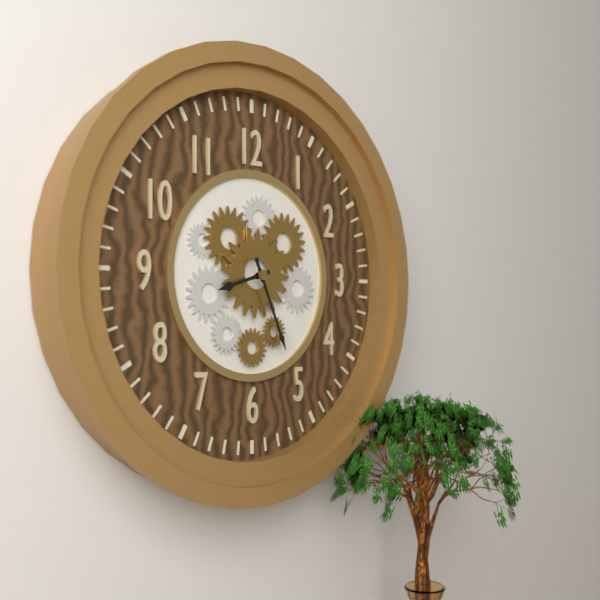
8:26
